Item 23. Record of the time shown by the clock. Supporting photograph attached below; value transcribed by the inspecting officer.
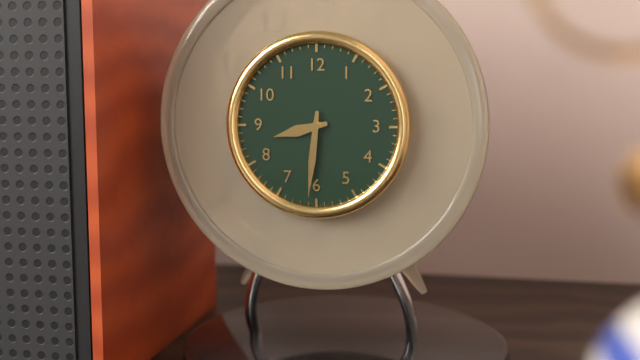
8:31
